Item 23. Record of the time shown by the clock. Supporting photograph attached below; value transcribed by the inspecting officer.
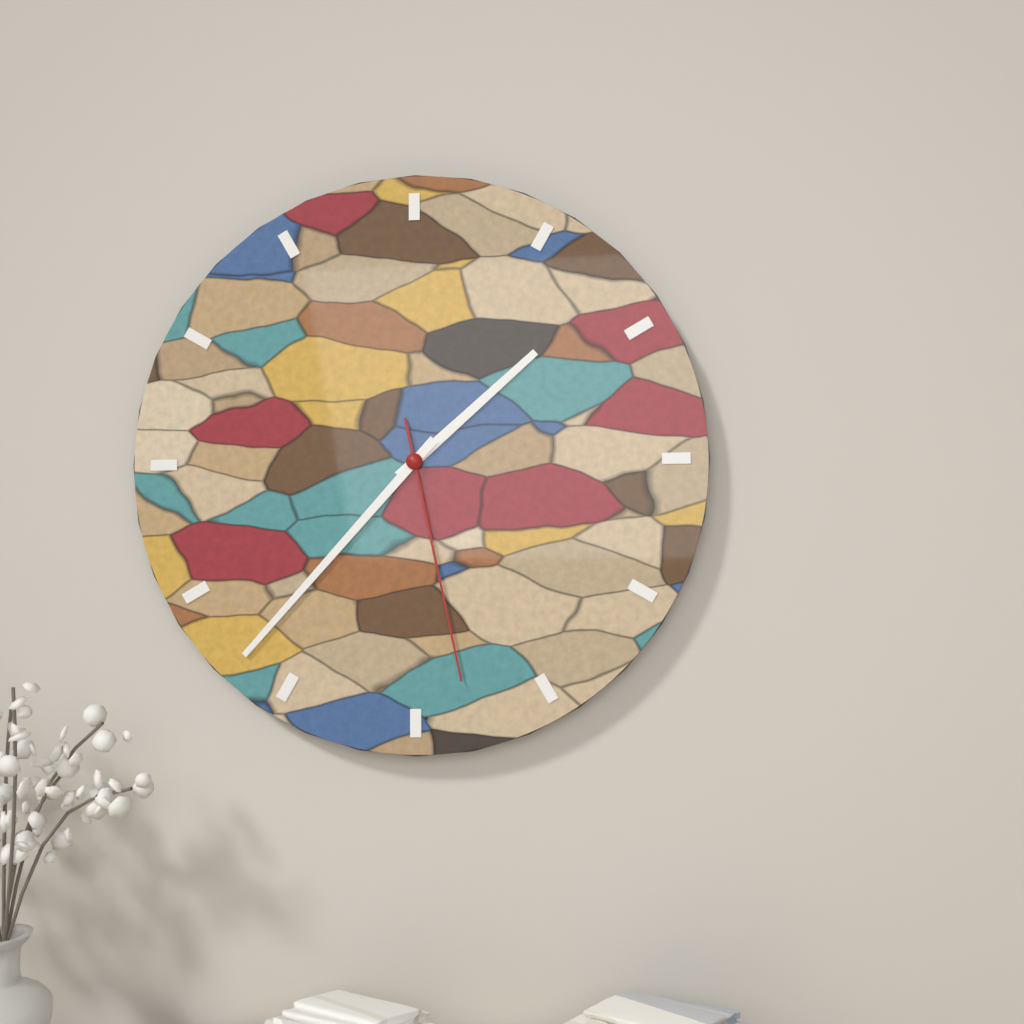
1:37:28
